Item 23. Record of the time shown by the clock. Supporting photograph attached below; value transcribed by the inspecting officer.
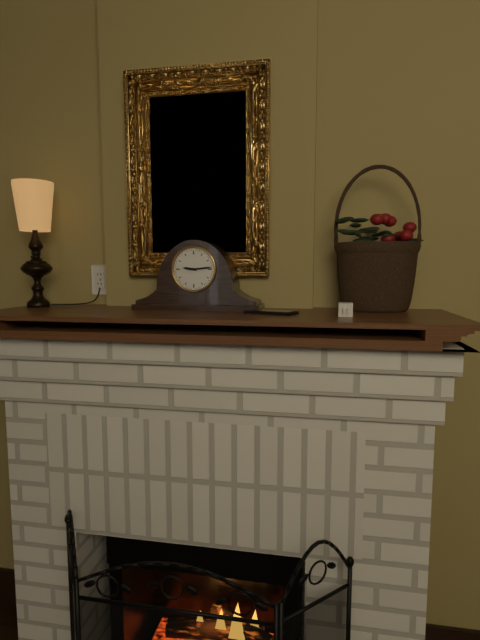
9:14
